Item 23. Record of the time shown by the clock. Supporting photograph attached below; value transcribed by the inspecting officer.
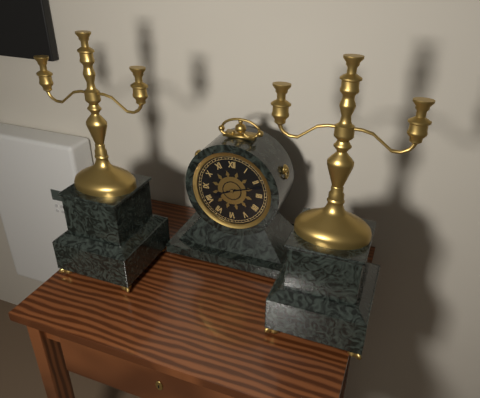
8:12
